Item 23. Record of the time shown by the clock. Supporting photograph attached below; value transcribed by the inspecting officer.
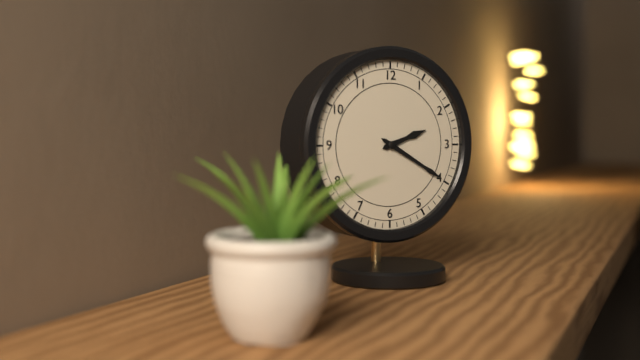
2:20
